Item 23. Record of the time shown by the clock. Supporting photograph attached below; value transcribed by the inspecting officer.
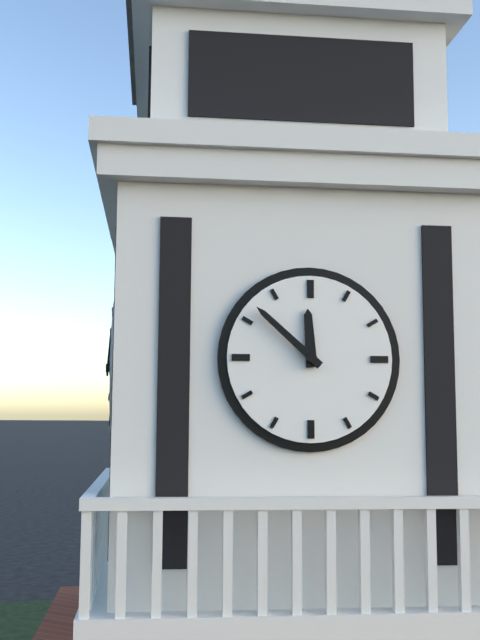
11:52
